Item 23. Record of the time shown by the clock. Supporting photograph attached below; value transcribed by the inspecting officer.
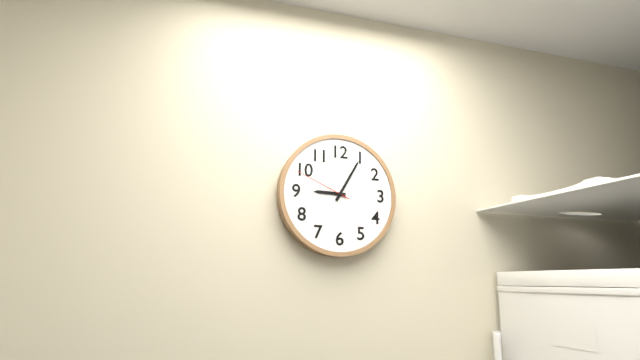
9:05:49
